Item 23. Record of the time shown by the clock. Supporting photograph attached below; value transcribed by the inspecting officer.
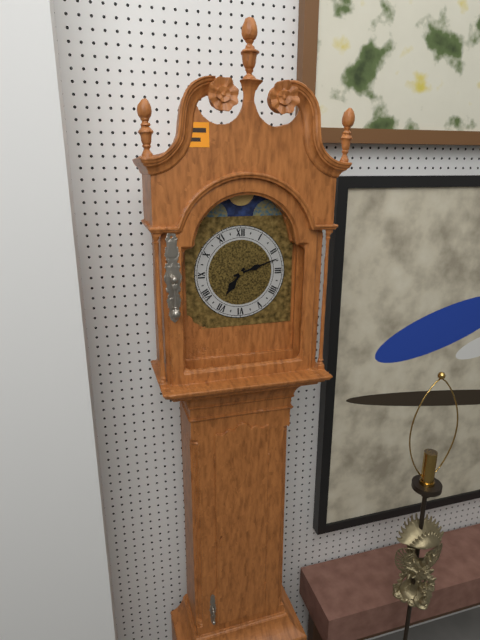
7:12
